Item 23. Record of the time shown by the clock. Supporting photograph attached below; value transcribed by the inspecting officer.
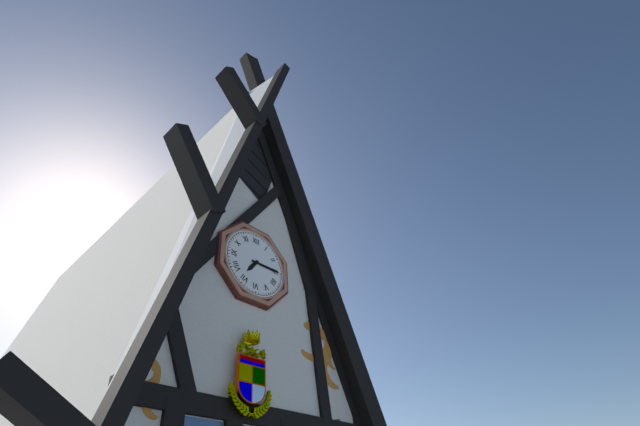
7:15
